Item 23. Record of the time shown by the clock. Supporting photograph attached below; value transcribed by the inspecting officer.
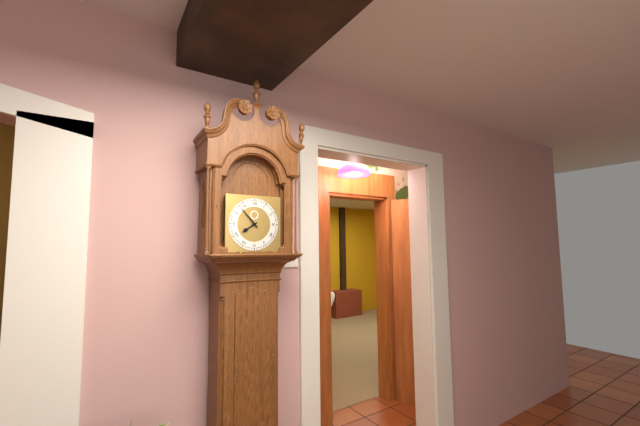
7:53
